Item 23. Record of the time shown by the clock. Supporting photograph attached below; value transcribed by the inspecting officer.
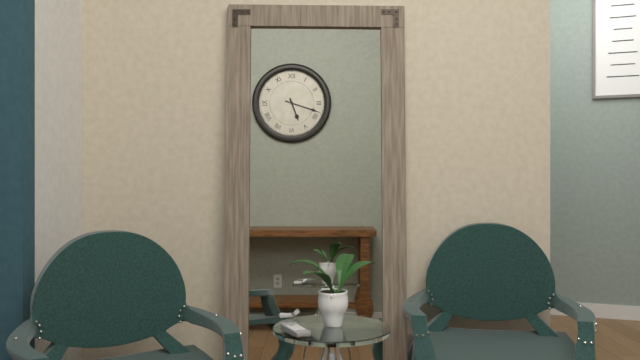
5:18
